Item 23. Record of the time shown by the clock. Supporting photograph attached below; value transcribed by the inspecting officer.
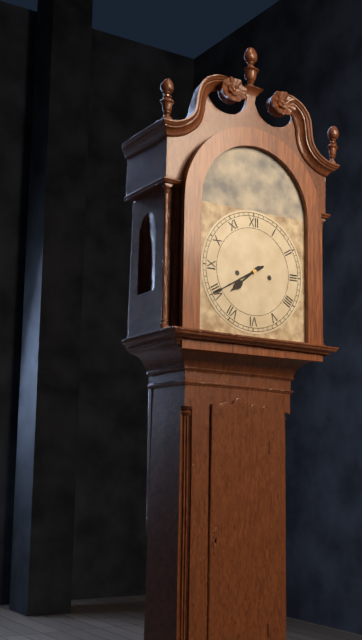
7:40
